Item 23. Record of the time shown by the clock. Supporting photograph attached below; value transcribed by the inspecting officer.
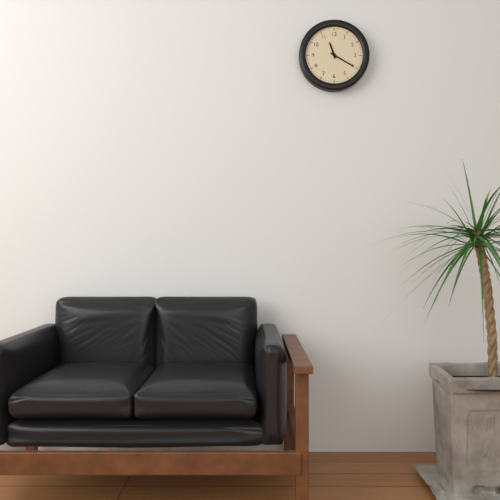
11:20
